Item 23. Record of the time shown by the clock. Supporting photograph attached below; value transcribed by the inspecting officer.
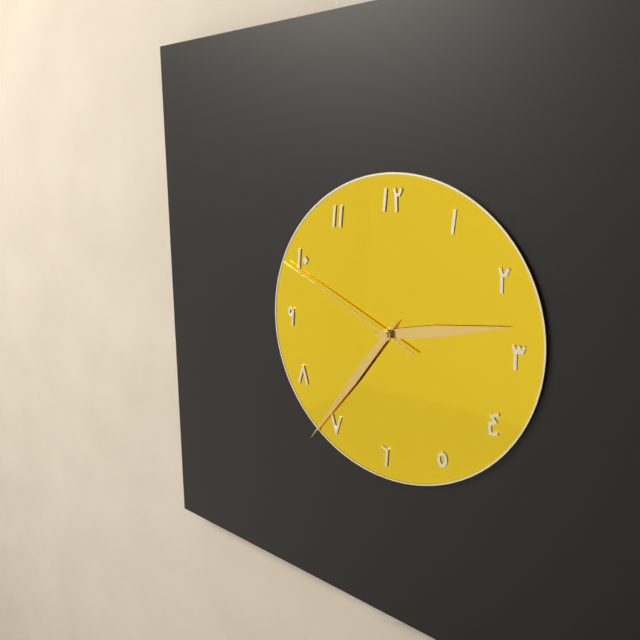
2:36:49
